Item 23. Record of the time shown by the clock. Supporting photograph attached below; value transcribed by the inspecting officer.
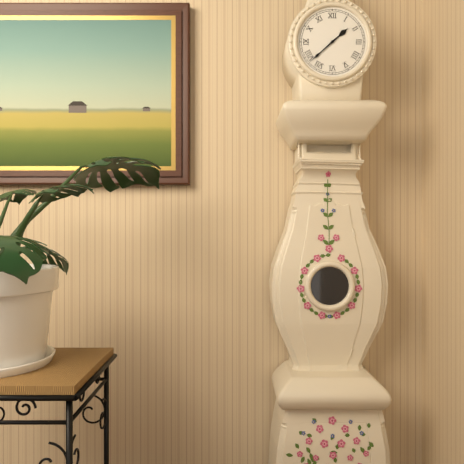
1:38
